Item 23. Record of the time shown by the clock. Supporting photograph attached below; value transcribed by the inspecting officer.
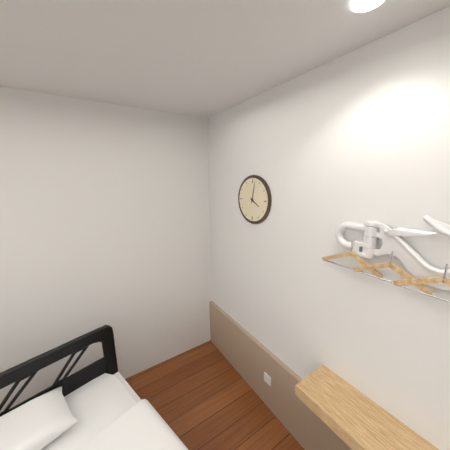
4:02
